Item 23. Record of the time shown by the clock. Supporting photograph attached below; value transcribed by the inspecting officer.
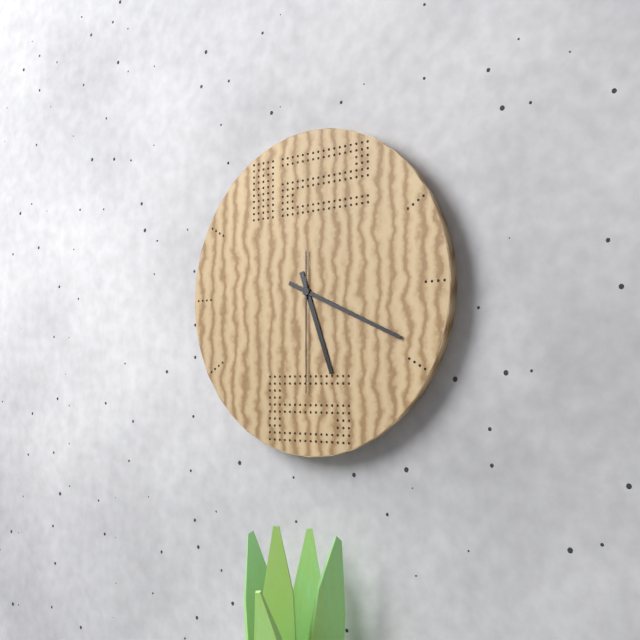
5:19:30
